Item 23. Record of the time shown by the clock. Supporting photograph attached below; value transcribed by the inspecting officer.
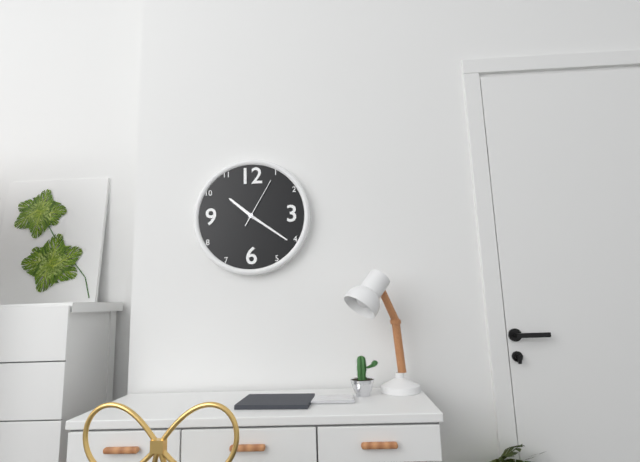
10:21:05
